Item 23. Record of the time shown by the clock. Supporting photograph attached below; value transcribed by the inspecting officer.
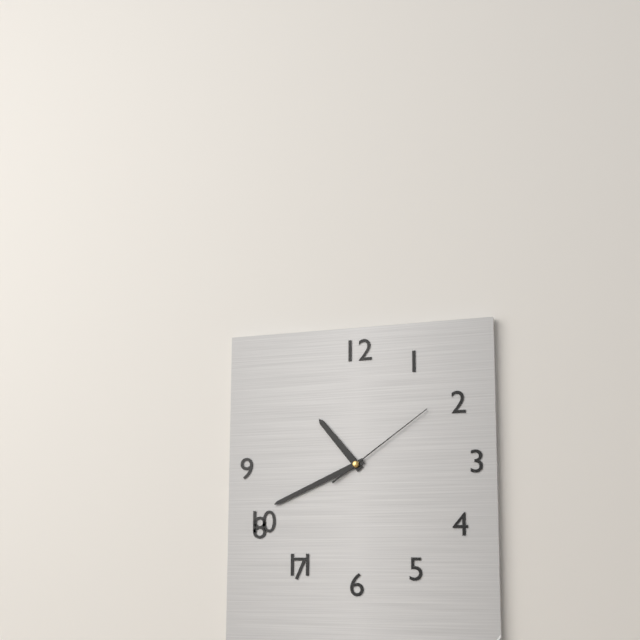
10:41:09
